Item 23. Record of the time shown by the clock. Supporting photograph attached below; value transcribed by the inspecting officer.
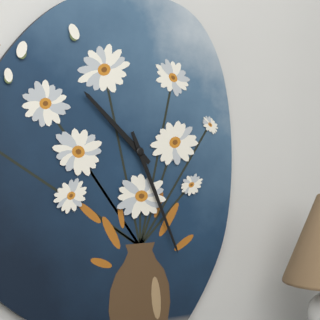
10:26
